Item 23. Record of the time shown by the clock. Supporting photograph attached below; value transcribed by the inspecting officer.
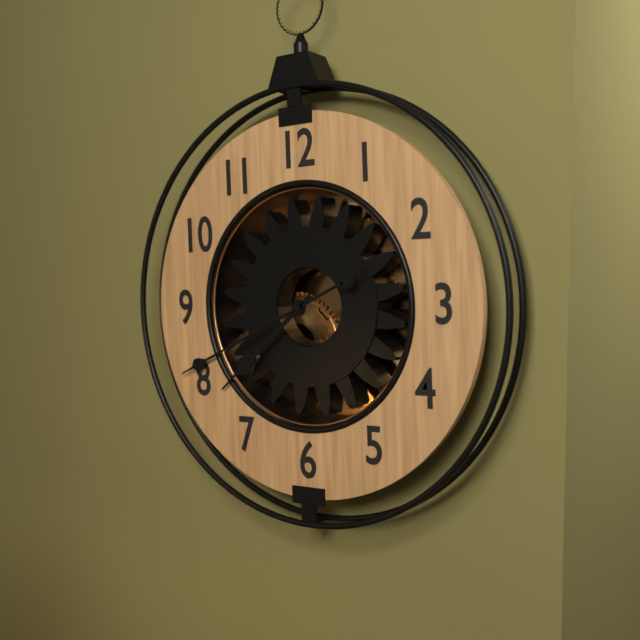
7:41
